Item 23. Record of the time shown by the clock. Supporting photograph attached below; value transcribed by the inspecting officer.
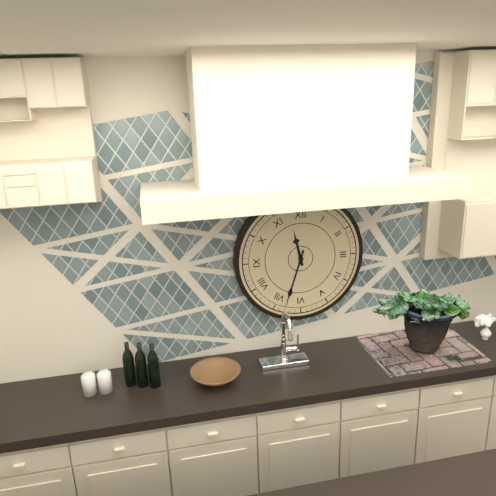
11:33
